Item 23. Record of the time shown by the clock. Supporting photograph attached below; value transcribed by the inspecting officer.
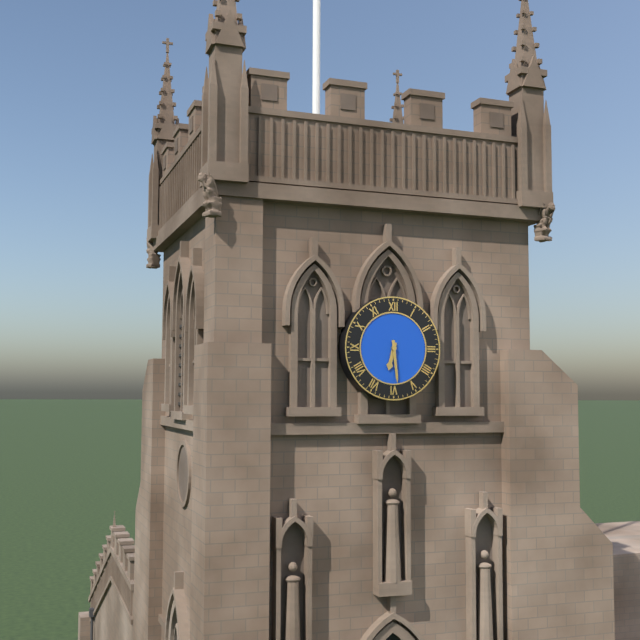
6:29
